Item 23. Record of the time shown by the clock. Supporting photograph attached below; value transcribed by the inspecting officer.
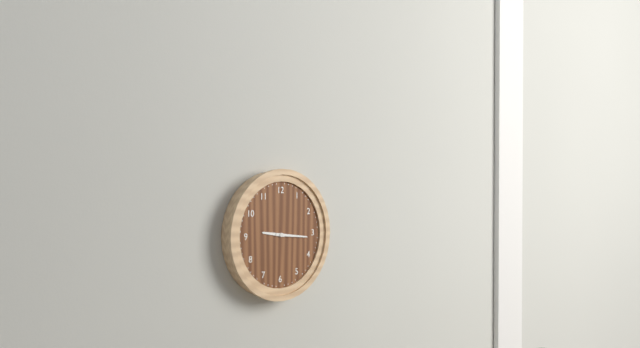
9:16
